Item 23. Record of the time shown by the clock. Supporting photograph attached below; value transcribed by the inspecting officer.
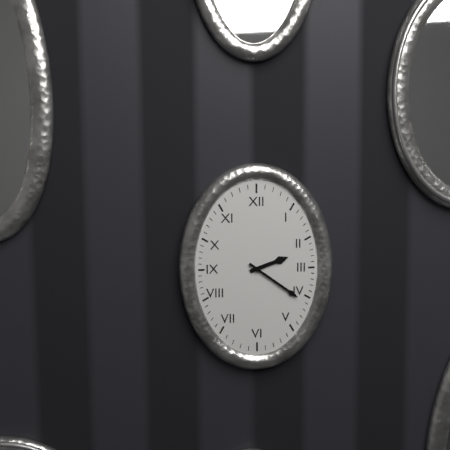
2:21
